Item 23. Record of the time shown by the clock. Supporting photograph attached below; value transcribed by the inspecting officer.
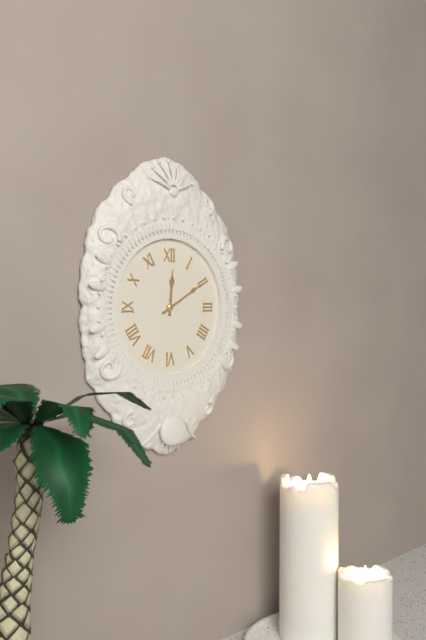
12:10
